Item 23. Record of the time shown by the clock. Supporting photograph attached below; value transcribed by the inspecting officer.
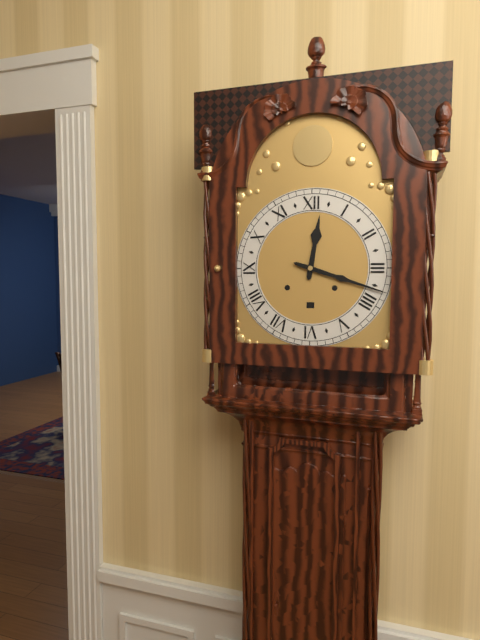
12:18
